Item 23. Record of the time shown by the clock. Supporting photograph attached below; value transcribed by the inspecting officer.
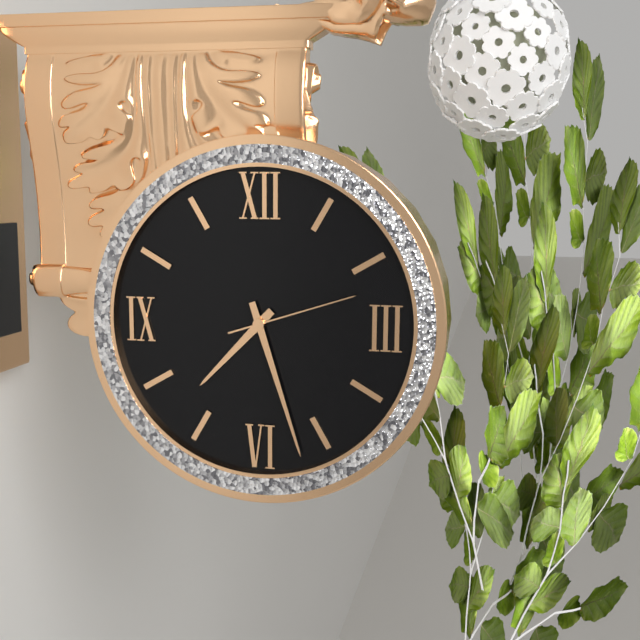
7:27:12
